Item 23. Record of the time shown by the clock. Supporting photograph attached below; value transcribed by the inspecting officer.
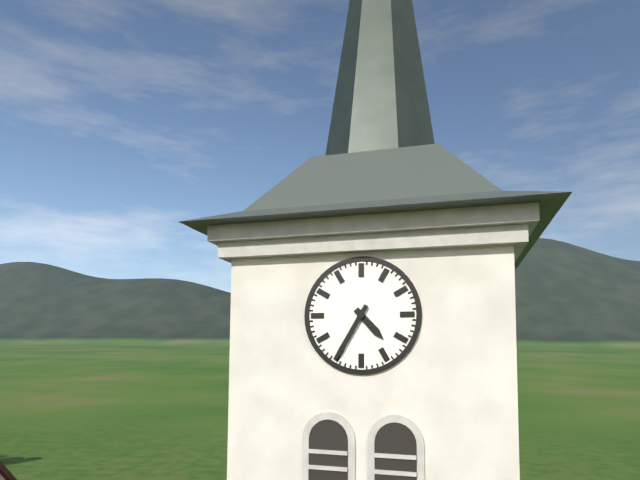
4:35
